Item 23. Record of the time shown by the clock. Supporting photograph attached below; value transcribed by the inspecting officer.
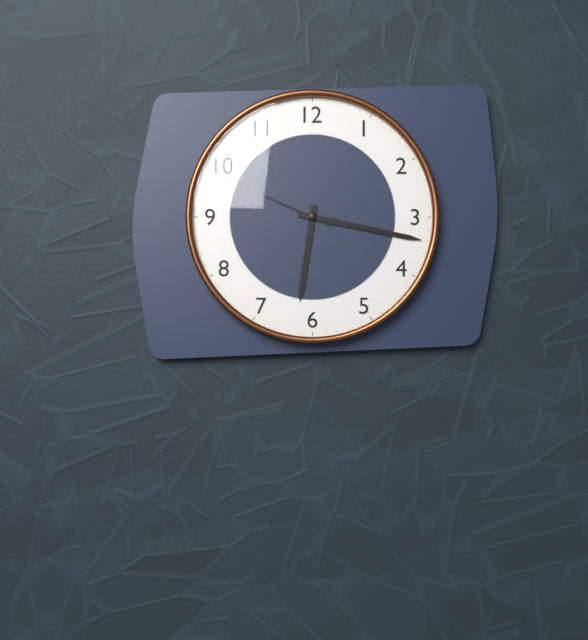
6:17:49
